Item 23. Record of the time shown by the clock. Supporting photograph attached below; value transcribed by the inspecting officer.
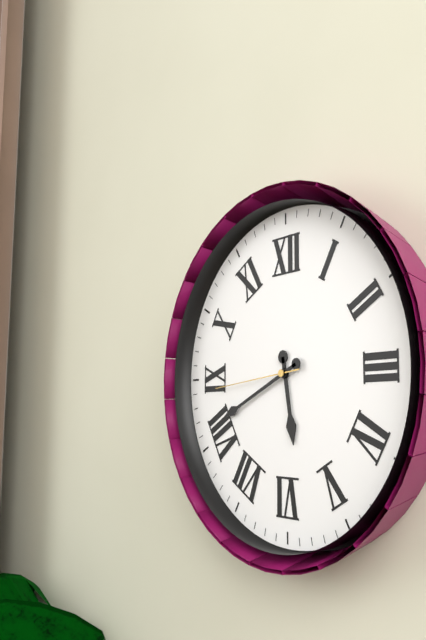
5:41:44
